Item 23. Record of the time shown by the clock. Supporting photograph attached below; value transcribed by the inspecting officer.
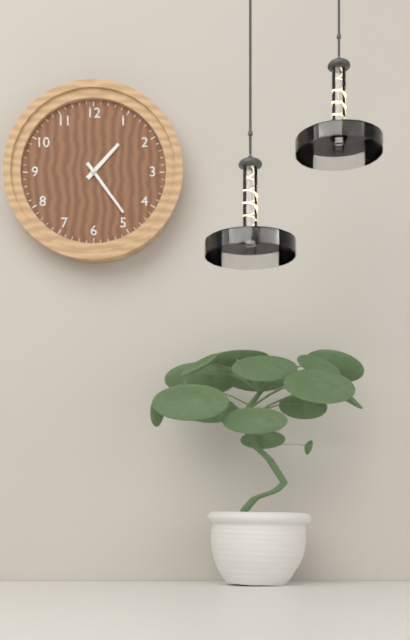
1:24
